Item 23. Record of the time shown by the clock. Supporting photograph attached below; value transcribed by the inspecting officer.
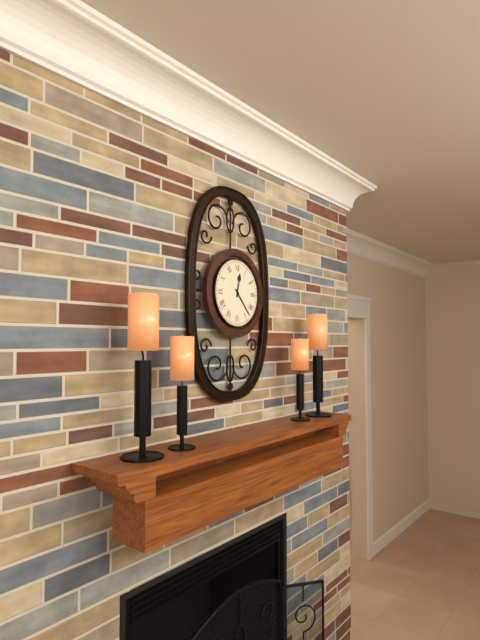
12:23
